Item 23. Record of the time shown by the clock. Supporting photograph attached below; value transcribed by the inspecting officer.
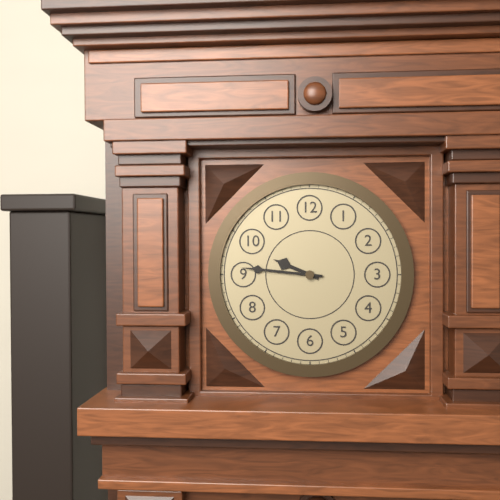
9:46
